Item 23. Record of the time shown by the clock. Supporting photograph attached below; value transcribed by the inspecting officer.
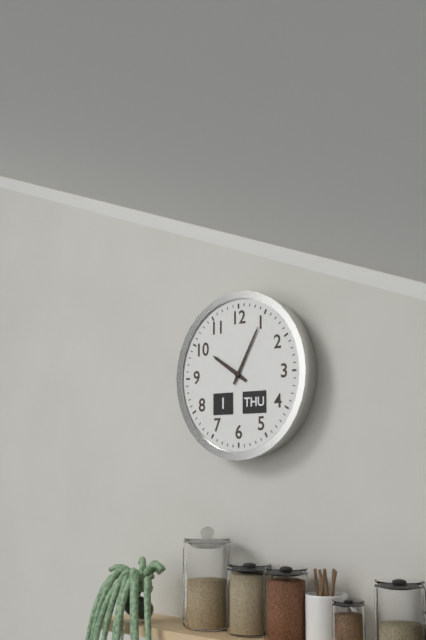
10:05
